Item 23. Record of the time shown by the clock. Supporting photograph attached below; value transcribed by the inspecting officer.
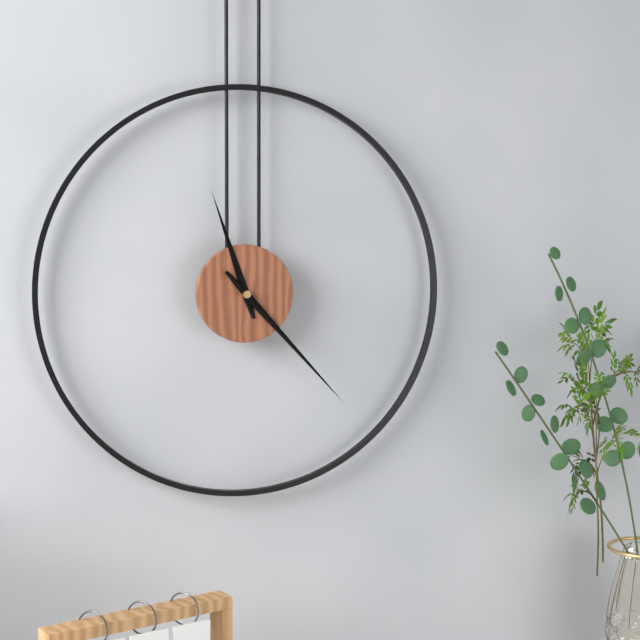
11:23
